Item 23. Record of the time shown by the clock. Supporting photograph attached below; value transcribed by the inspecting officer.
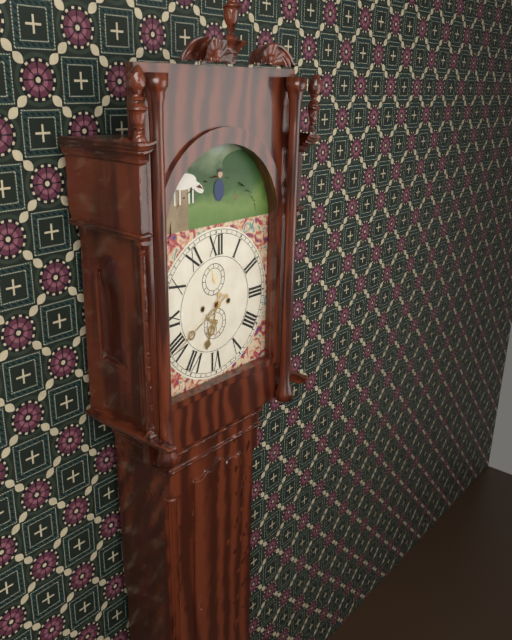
6:40
